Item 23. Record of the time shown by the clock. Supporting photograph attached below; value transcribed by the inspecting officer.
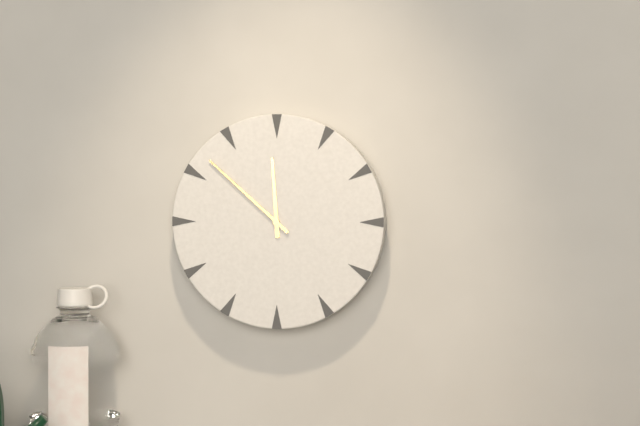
11:52
